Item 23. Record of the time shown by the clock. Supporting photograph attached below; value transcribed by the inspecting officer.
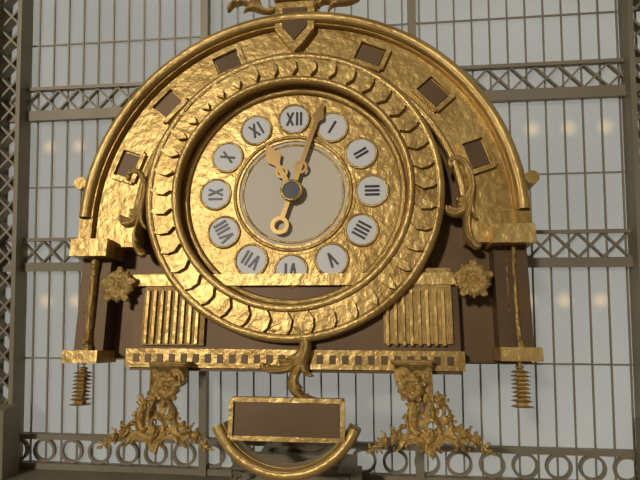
11:03
